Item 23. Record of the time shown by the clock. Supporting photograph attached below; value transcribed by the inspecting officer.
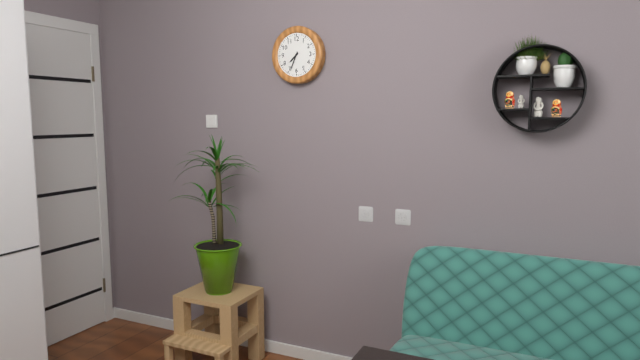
7:34
